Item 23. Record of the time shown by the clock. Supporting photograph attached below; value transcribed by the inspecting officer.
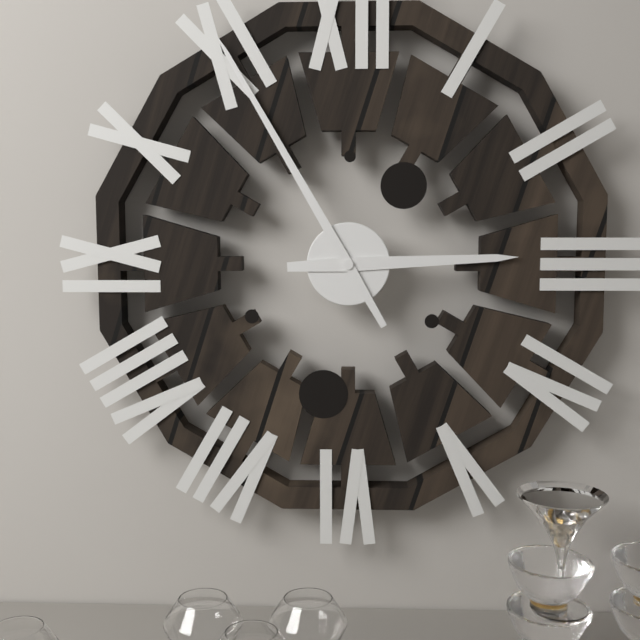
2:55
